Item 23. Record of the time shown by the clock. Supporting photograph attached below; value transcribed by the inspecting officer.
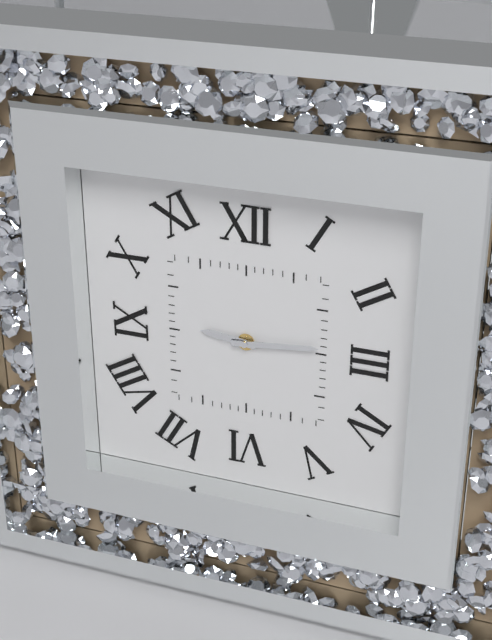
9:14
